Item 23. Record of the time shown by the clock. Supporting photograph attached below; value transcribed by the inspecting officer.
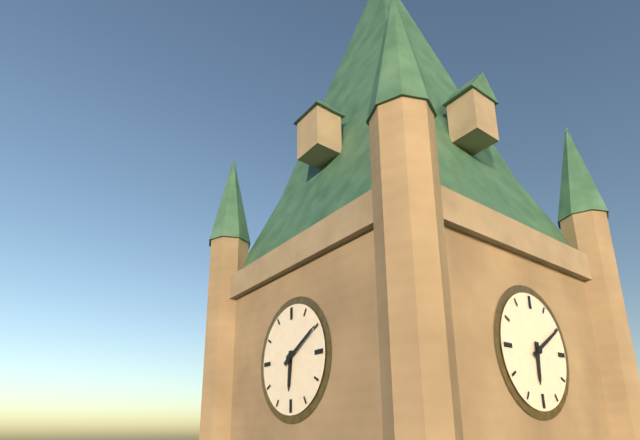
6:10
